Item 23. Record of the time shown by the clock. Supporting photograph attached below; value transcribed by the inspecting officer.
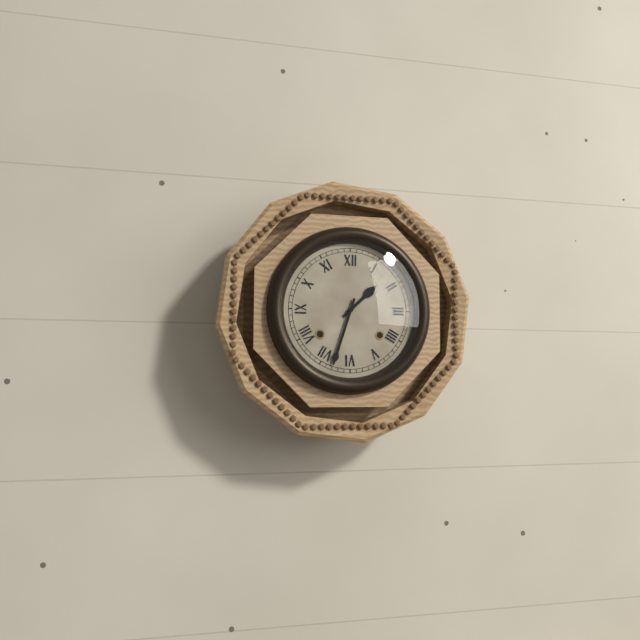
1:33
